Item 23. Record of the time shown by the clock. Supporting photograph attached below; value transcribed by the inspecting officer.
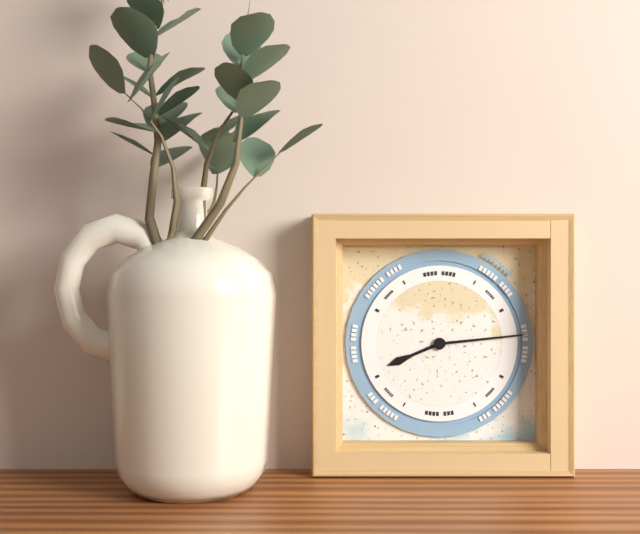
8:14
